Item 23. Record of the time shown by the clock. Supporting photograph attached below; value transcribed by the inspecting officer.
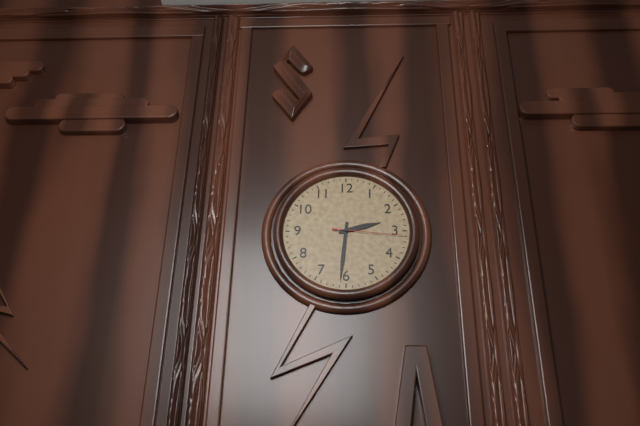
2:31:16
